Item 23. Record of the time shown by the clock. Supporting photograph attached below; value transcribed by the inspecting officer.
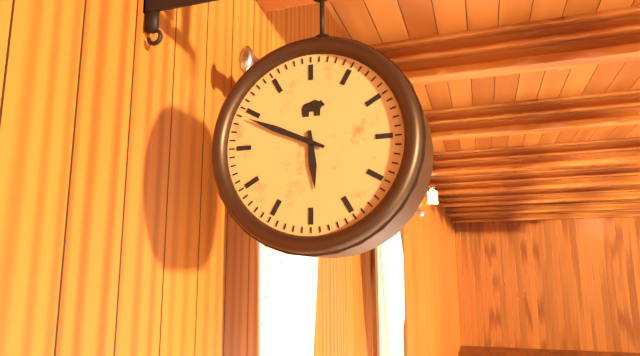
5:49
